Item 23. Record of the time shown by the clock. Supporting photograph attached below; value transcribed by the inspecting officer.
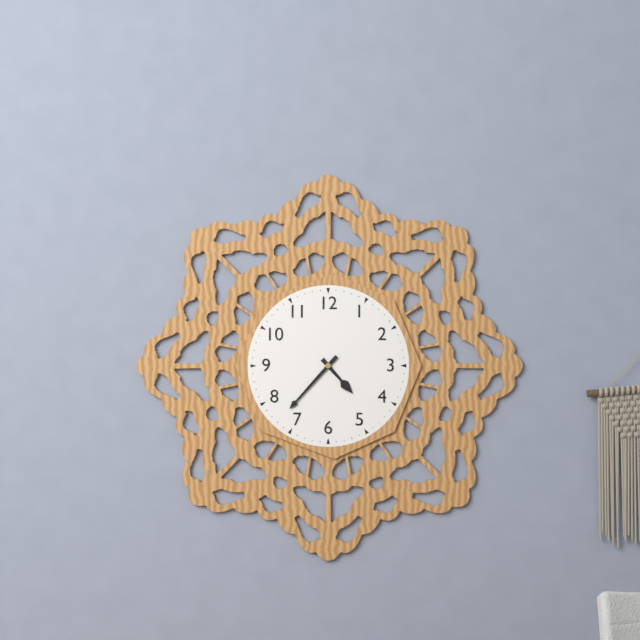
4:37
